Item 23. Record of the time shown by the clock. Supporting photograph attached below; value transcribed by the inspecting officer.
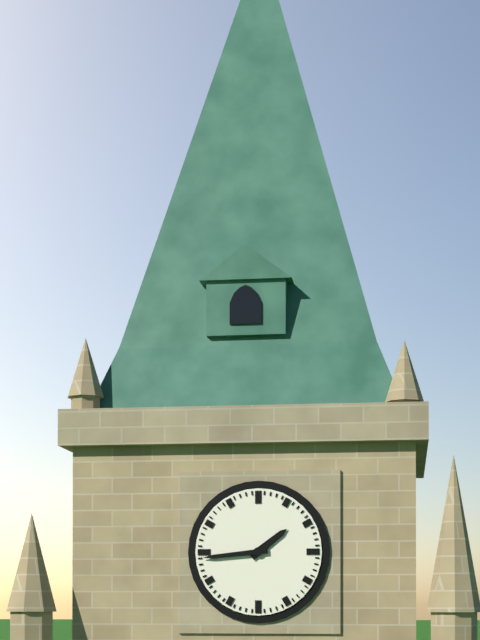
1:44
